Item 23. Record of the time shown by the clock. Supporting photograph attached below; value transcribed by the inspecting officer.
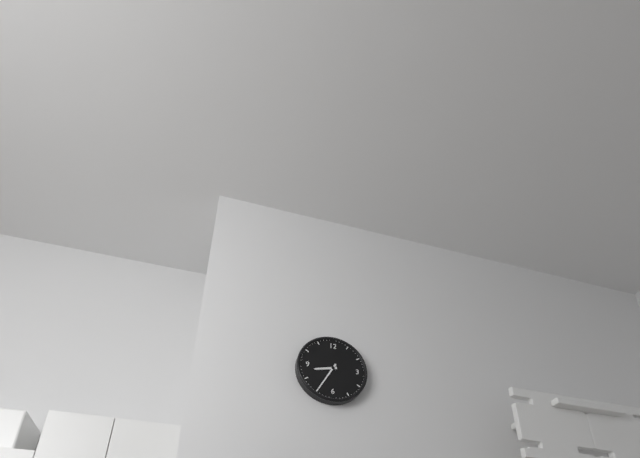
8:35
